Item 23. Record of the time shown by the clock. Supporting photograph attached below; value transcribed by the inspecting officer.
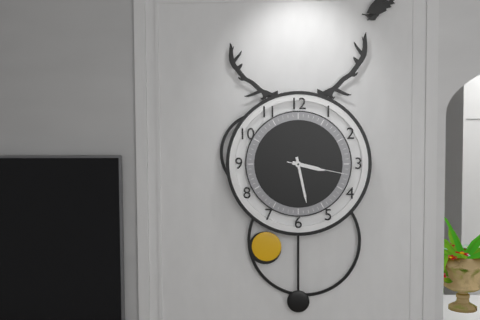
3:28:17
